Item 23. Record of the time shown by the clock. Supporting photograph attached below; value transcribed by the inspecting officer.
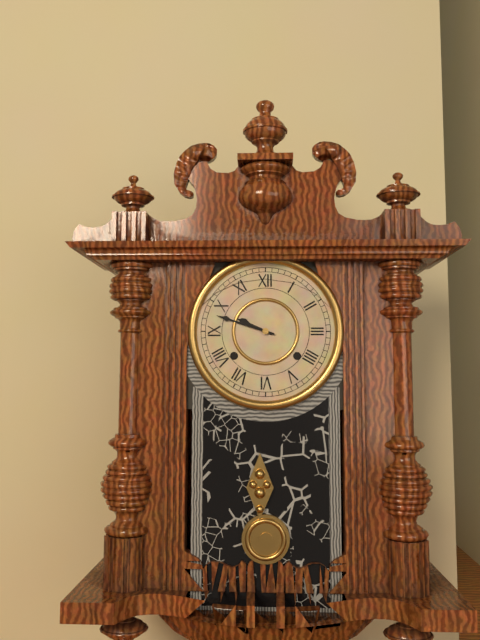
9:48
